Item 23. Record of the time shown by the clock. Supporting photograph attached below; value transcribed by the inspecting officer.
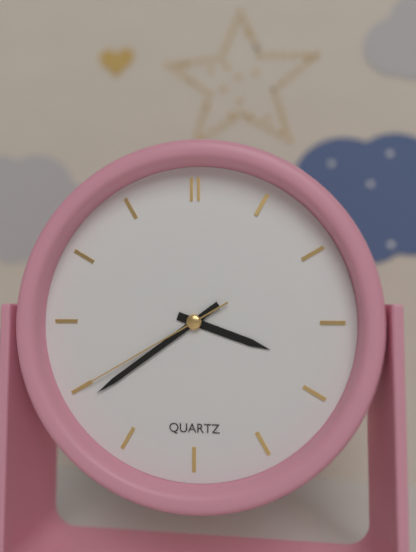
3:39:40
